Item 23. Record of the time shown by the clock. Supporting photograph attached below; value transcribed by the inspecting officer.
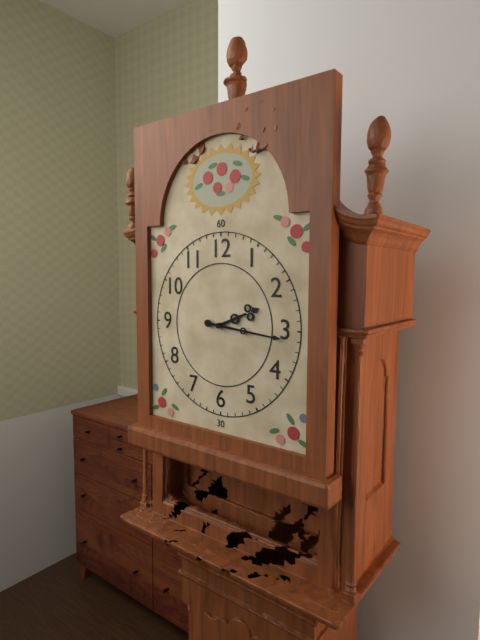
2:16
